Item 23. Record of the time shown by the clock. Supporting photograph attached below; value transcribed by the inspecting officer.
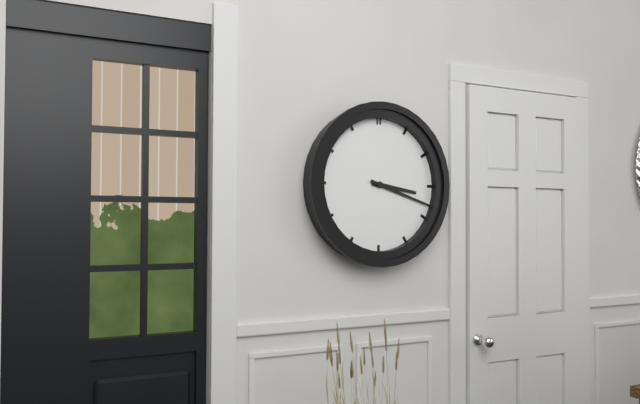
3:18
